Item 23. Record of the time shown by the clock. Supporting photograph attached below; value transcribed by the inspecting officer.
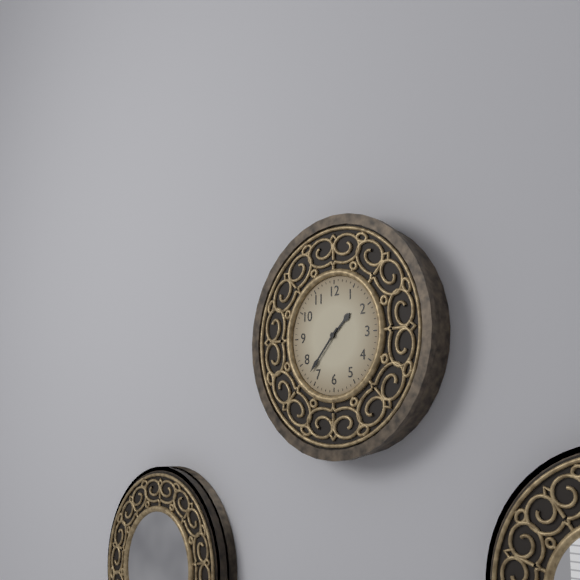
1:37
